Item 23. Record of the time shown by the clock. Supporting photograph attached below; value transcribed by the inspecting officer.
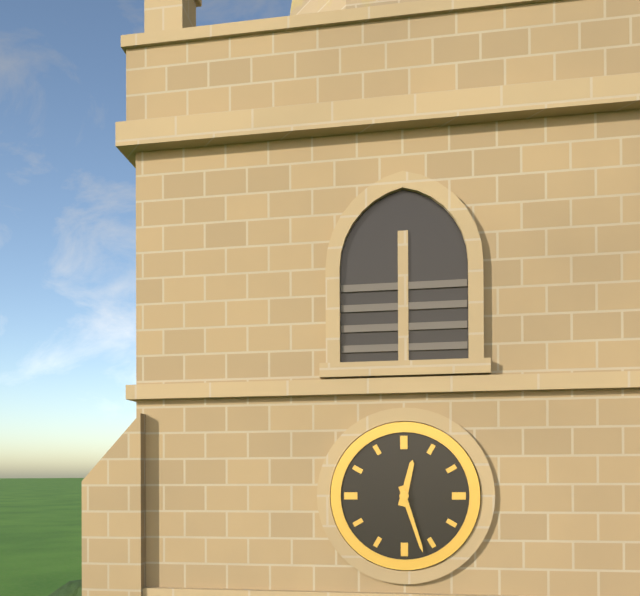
12:27
